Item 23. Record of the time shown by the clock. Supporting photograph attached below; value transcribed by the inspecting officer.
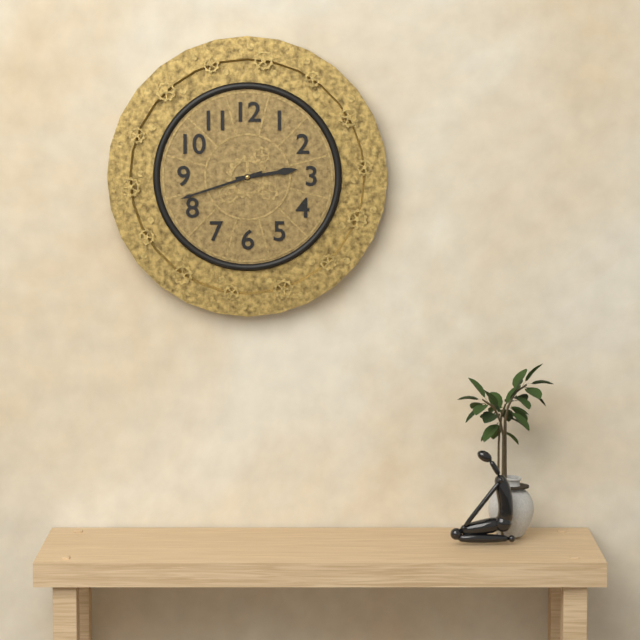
2:42
